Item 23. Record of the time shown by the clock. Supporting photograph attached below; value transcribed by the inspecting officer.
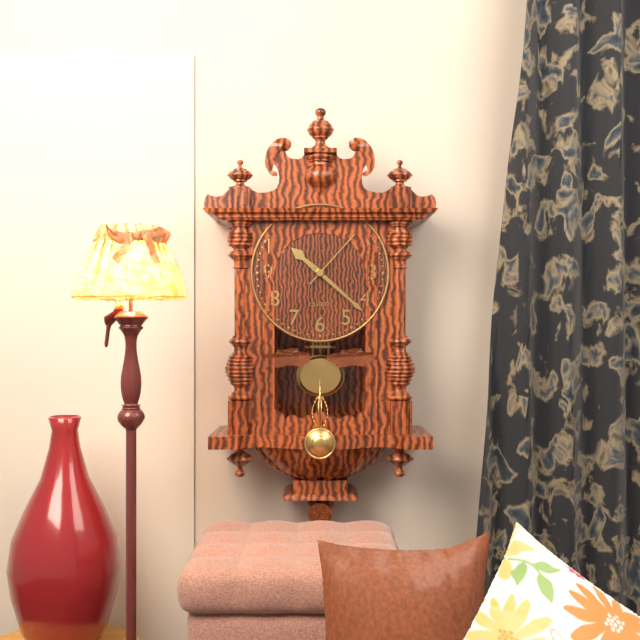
10:22:07
